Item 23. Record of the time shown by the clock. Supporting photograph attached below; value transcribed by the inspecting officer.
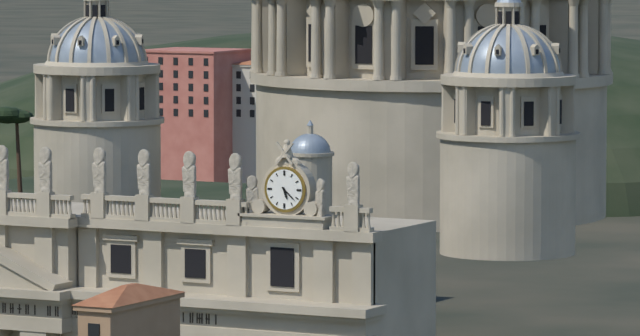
5:22
